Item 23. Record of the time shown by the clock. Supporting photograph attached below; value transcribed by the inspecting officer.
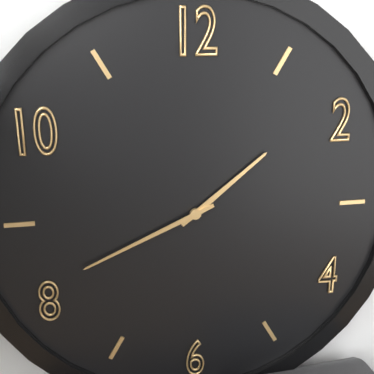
1:41
